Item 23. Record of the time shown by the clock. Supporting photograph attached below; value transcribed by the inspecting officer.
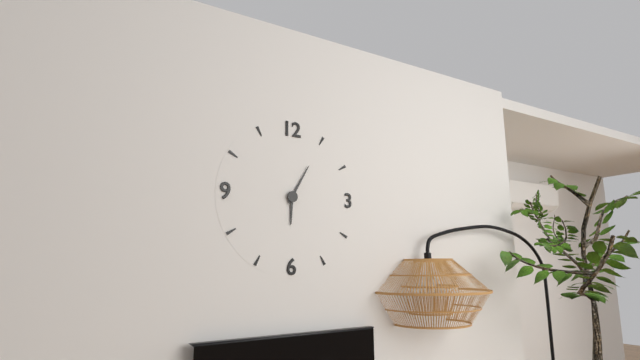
6:05
